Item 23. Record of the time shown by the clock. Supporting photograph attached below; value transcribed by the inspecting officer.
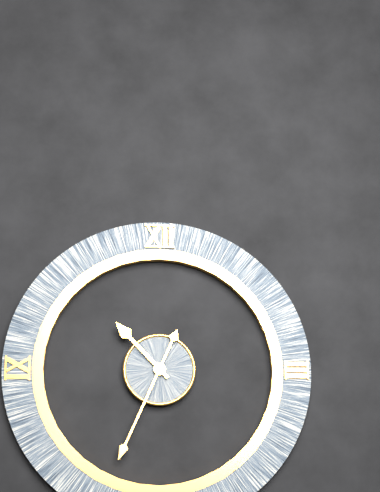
10:34
